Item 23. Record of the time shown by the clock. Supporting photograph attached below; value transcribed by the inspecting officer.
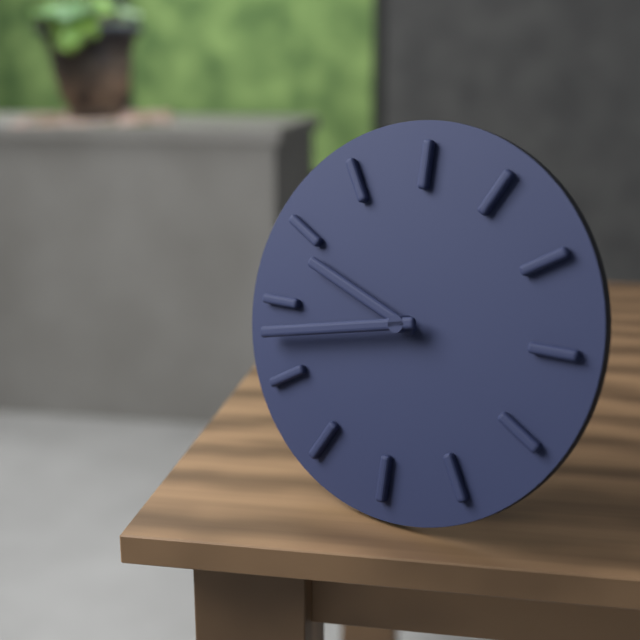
9:43
